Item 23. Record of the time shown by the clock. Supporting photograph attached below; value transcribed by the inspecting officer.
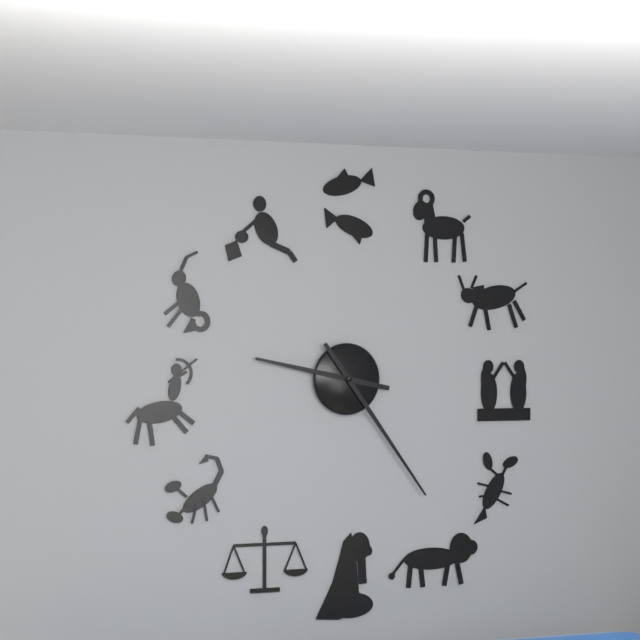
9:24
